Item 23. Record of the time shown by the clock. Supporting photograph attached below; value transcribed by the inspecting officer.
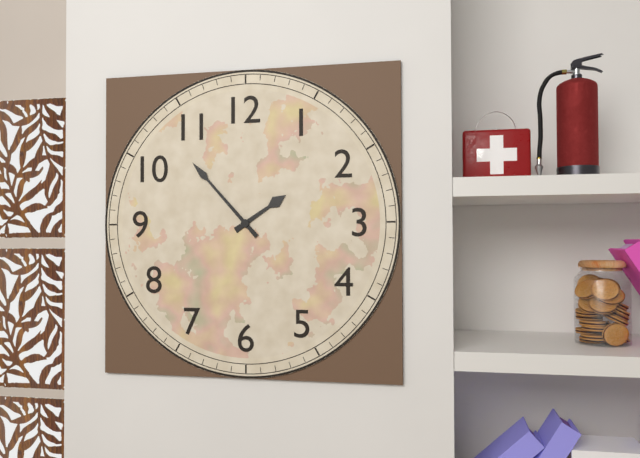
1:53
